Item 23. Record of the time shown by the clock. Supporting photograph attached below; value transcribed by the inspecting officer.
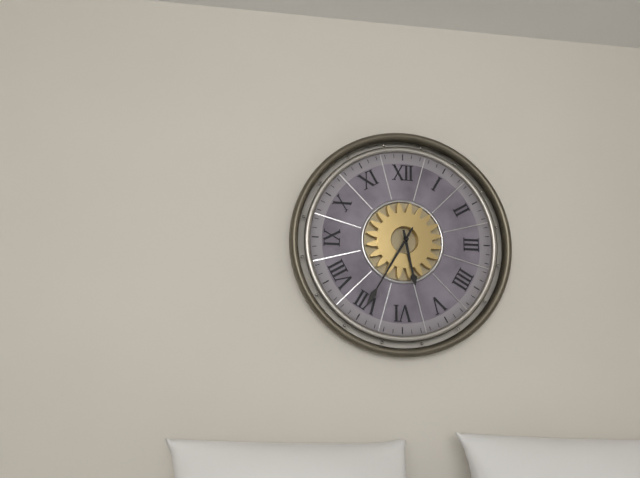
5:35
